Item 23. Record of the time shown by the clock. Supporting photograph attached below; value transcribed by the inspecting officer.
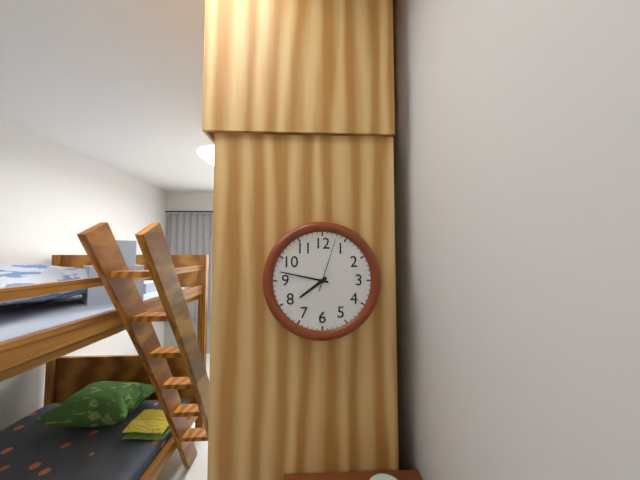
7:47:03
